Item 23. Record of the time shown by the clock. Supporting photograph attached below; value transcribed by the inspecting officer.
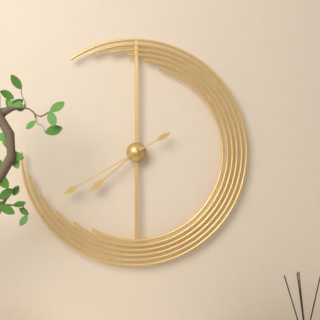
7:40
